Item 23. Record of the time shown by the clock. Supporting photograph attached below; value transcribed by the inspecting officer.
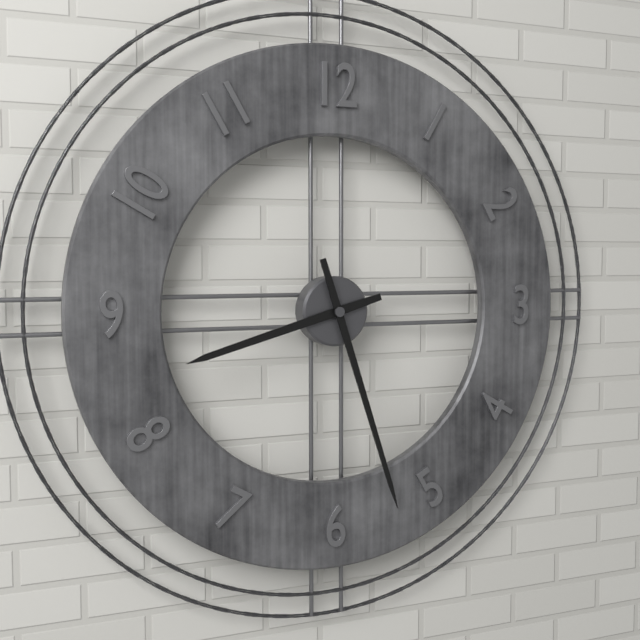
8:27
